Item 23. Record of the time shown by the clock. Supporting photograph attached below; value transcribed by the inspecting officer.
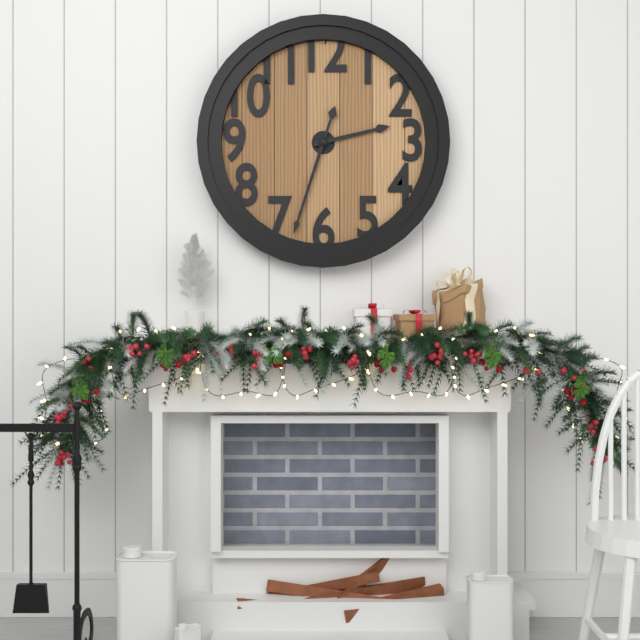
2:33
